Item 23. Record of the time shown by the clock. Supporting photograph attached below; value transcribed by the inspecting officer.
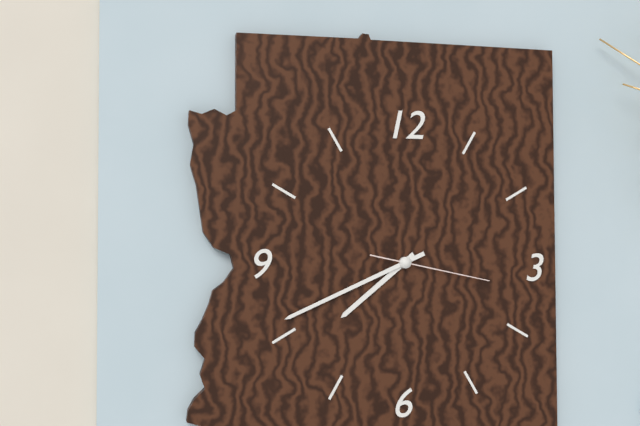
7:41:17
